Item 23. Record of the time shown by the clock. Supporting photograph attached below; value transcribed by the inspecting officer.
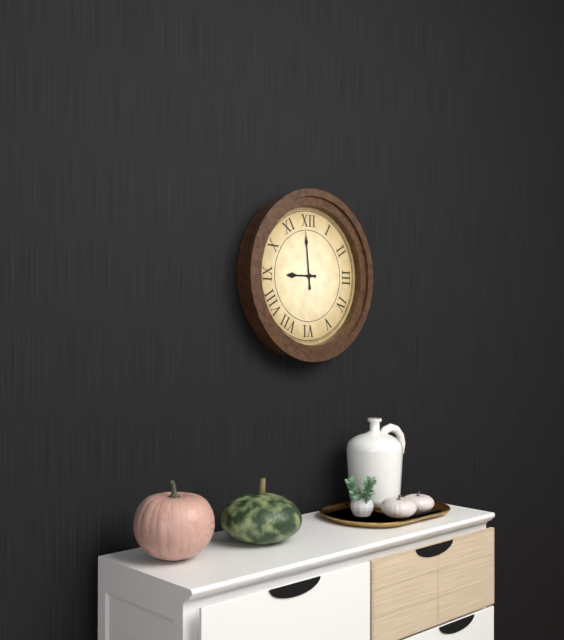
8:59
